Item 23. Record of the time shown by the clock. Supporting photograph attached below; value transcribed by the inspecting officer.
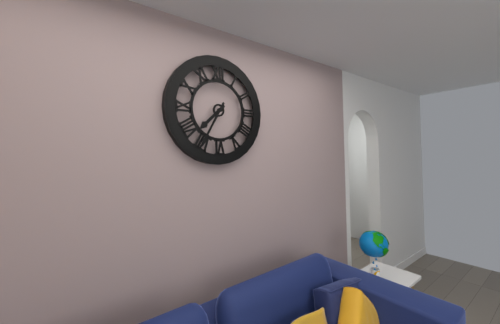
7:35
